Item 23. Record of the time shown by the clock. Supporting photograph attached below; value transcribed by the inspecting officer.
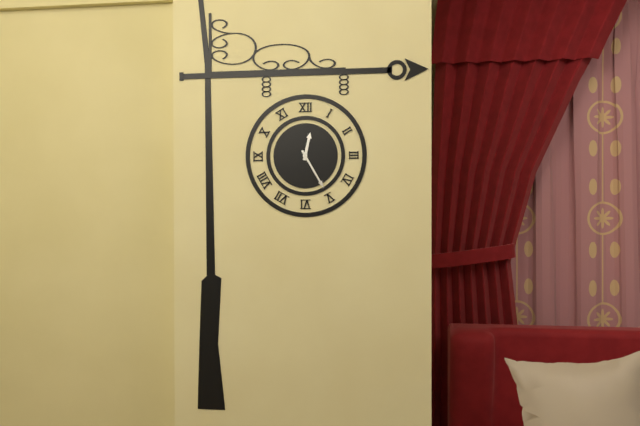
12:25
